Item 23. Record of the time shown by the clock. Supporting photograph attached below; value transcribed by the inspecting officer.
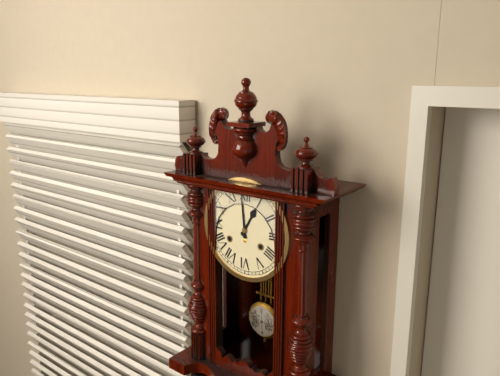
12:59
